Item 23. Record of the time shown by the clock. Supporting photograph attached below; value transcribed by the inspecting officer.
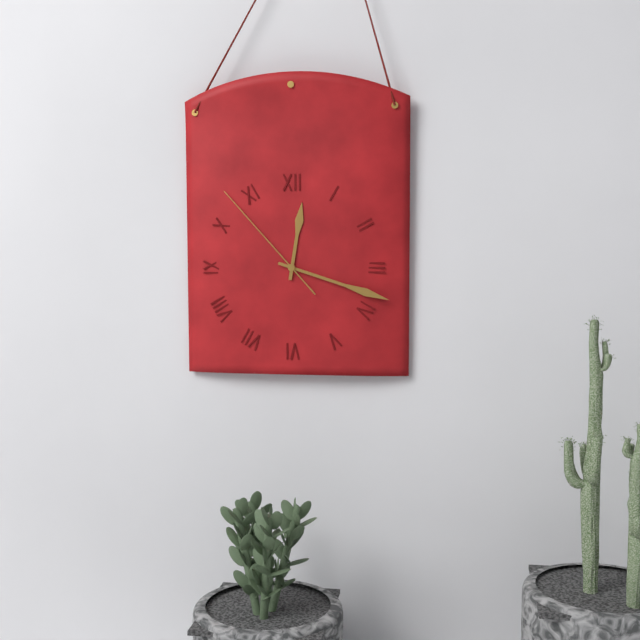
12:18:53
